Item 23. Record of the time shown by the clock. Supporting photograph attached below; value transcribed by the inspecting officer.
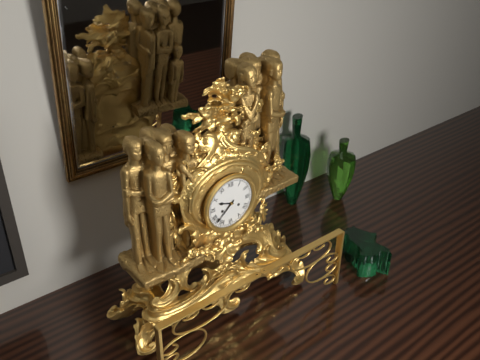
9:38
